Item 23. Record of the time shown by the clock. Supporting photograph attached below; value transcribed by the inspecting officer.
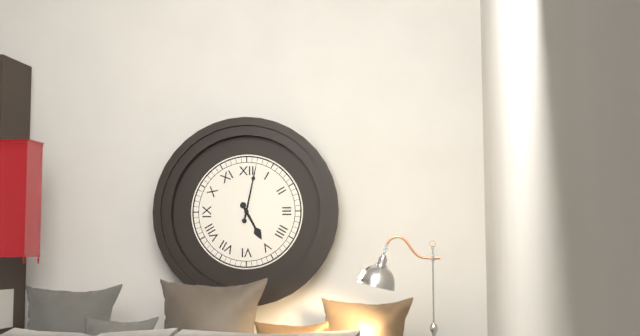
5:02
